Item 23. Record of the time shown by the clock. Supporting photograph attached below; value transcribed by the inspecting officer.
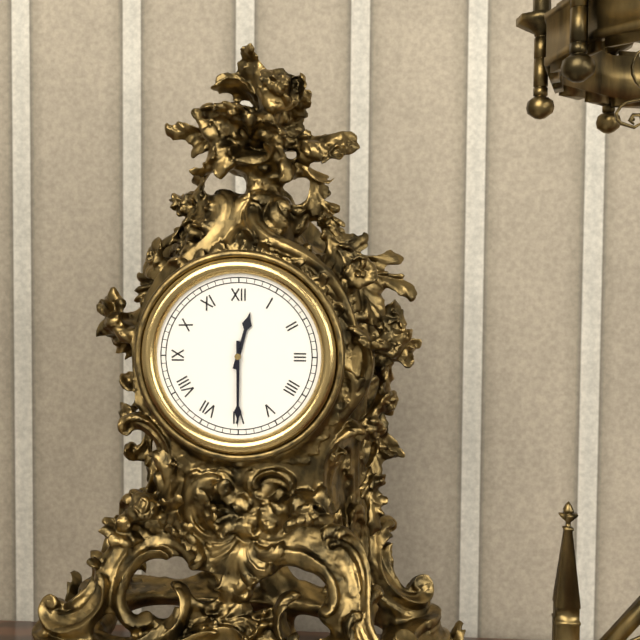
12:30
